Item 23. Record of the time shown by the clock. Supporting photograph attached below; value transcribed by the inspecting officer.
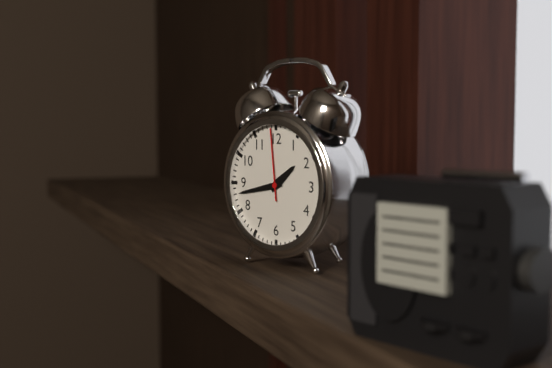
1:43:59
